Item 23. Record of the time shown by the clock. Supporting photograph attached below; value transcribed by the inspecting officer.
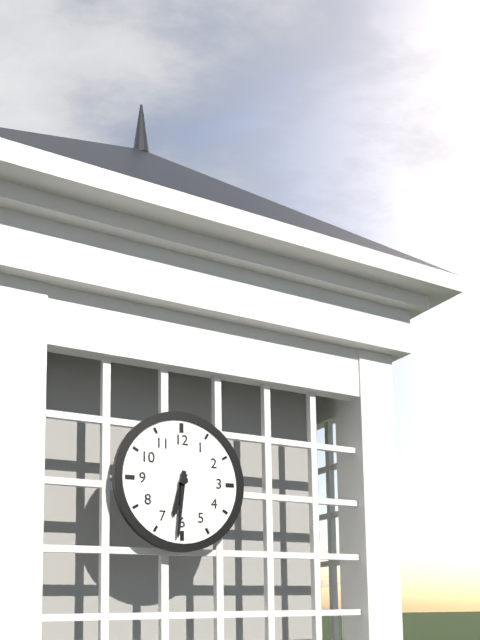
6:31
